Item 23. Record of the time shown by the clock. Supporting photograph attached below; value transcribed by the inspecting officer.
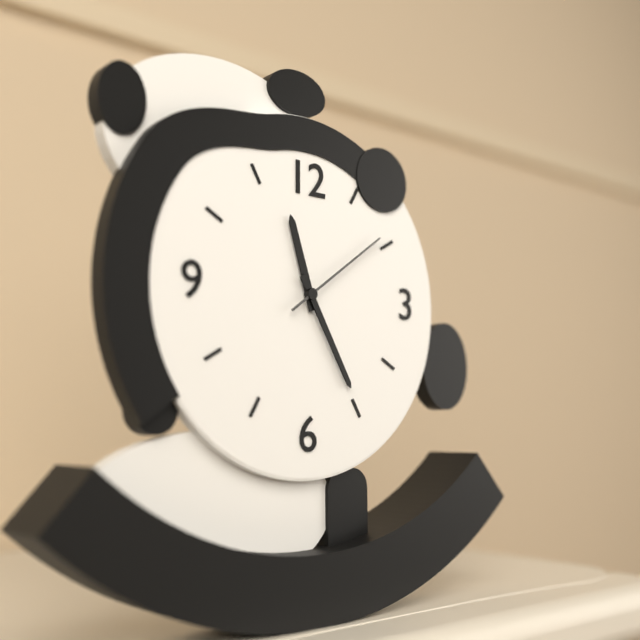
11:25:09
